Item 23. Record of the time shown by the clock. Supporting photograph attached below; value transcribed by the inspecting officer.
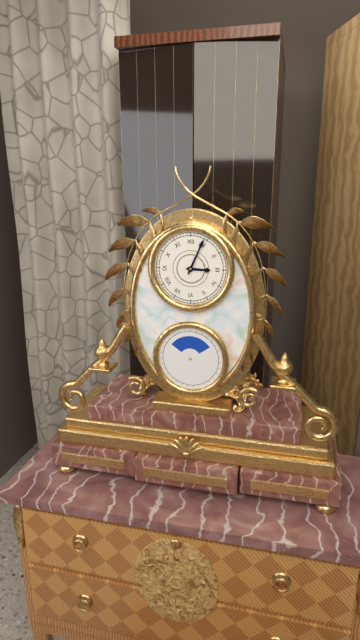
3:04
